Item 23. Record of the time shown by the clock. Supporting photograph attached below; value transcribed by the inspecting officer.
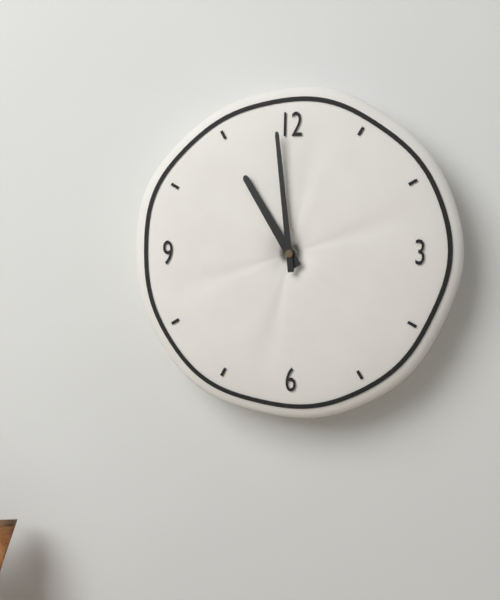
10:59
